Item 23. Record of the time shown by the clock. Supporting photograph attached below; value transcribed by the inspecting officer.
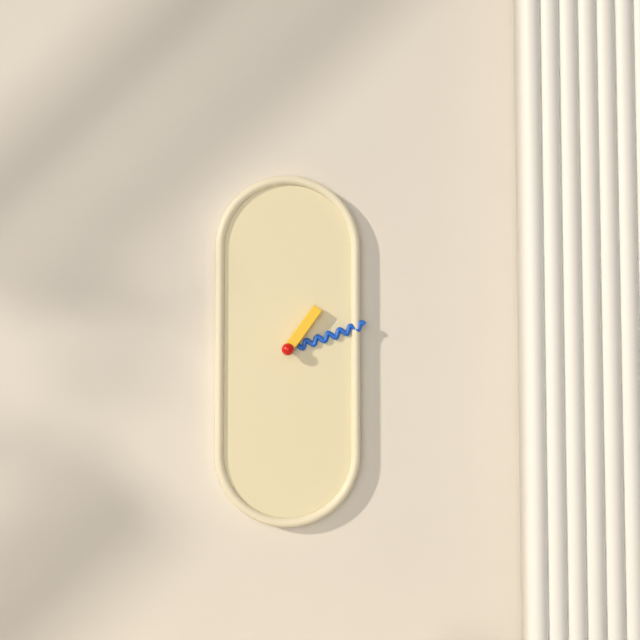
1:12
